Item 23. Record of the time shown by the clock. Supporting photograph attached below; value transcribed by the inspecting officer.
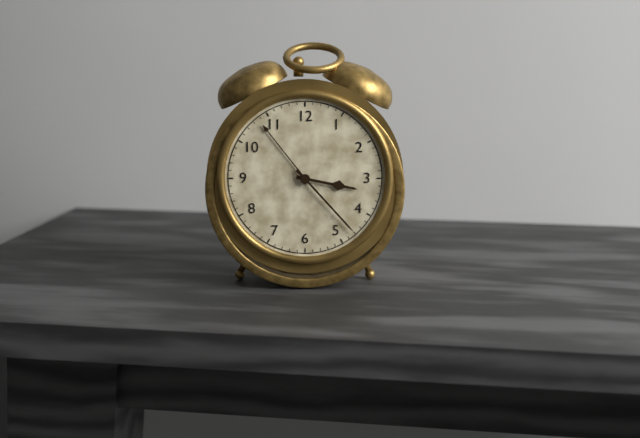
3:23
